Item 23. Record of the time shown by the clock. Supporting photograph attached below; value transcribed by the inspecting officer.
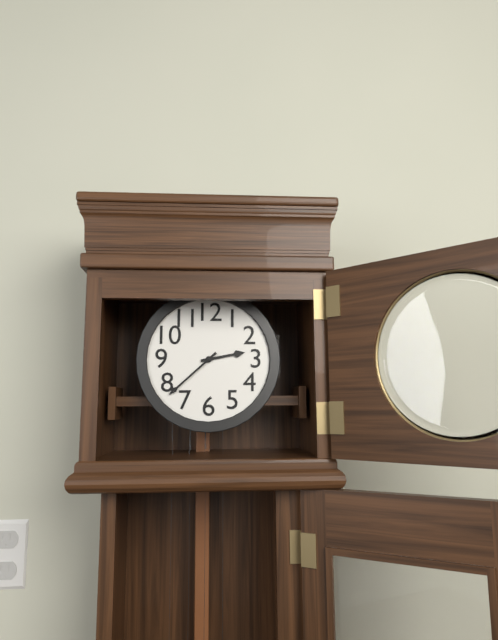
2:38
